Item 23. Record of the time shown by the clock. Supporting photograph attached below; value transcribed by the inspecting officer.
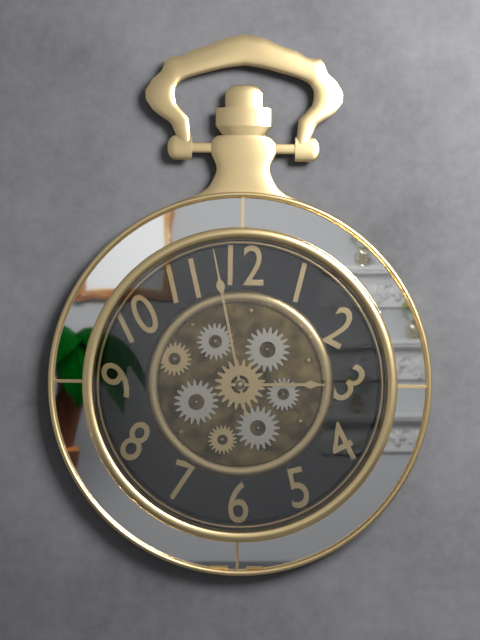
2:58
